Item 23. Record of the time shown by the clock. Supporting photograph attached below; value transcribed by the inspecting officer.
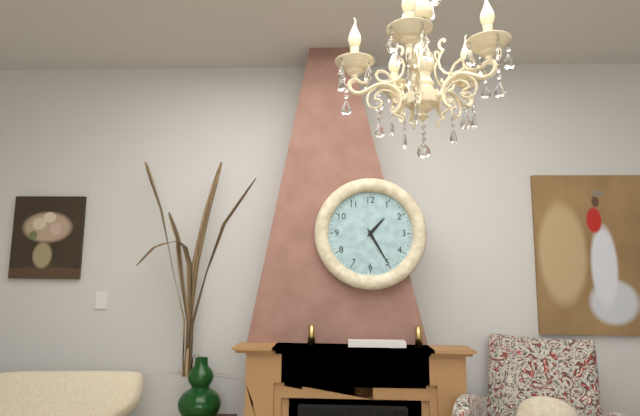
1:25
